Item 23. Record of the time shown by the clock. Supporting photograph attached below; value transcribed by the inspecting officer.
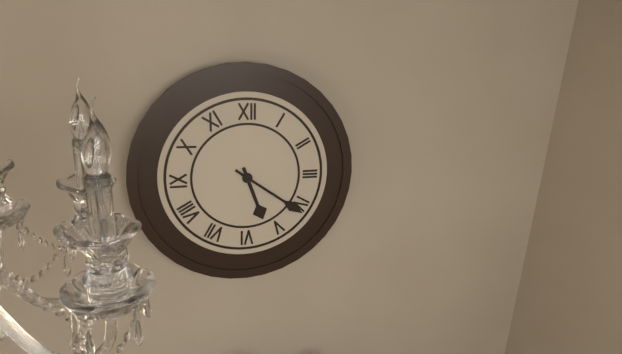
5:21
